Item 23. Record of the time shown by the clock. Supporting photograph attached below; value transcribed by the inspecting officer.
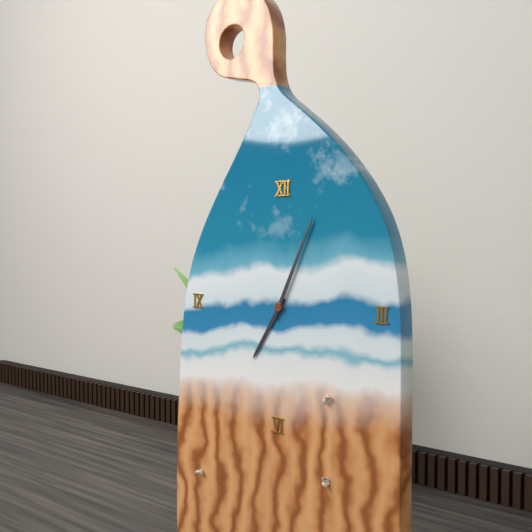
7:04
